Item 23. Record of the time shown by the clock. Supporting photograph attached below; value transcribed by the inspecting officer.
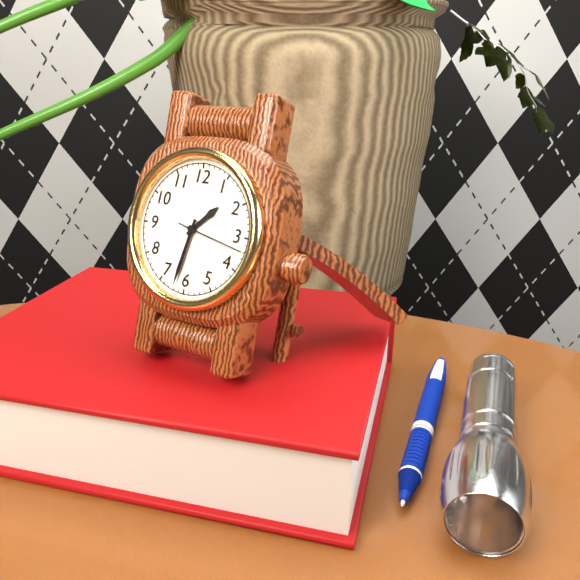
1:32
